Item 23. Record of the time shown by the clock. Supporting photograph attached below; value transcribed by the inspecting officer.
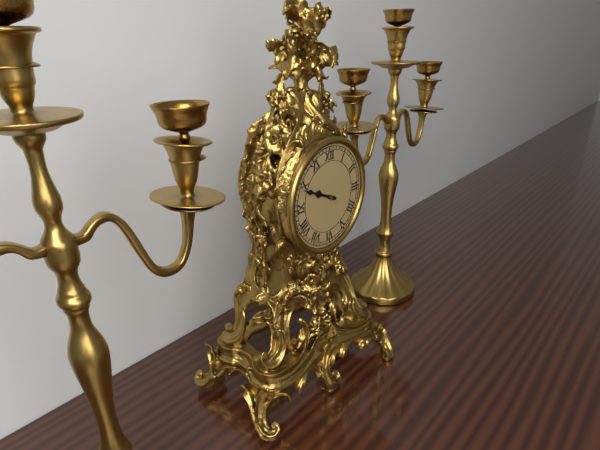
9:49
